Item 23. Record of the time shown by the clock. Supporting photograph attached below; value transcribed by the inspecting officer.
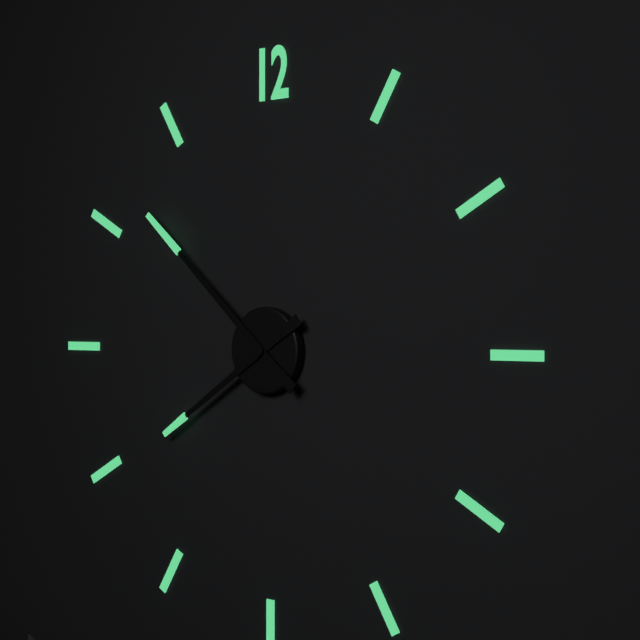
7:52
